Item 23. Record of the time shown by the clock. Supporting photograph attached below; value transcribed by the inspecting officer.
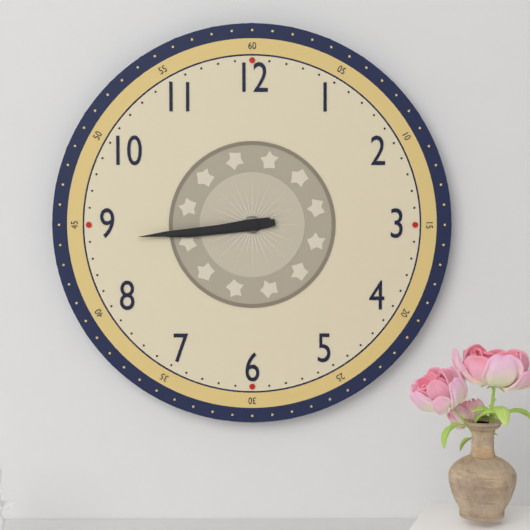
8:44
